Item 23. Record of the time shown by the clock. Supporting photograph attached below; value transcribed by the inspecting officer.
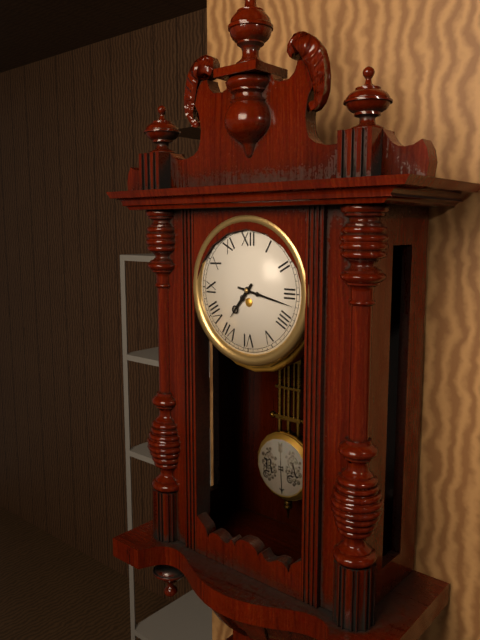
7:17
